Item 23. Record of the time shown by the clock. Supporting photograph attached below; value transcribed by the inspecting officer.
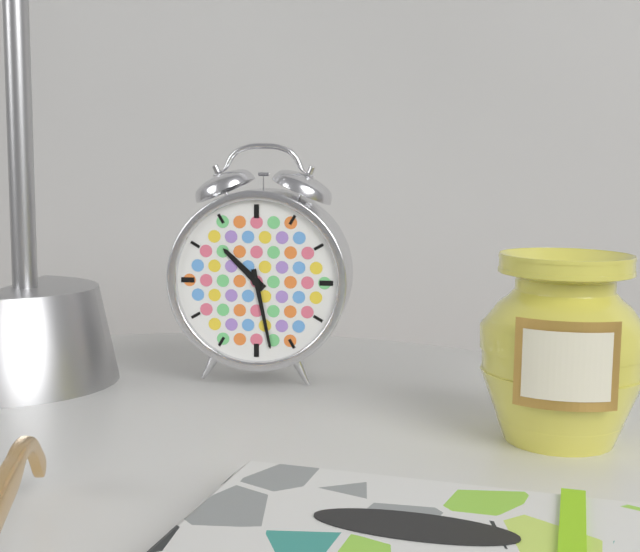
10:28
